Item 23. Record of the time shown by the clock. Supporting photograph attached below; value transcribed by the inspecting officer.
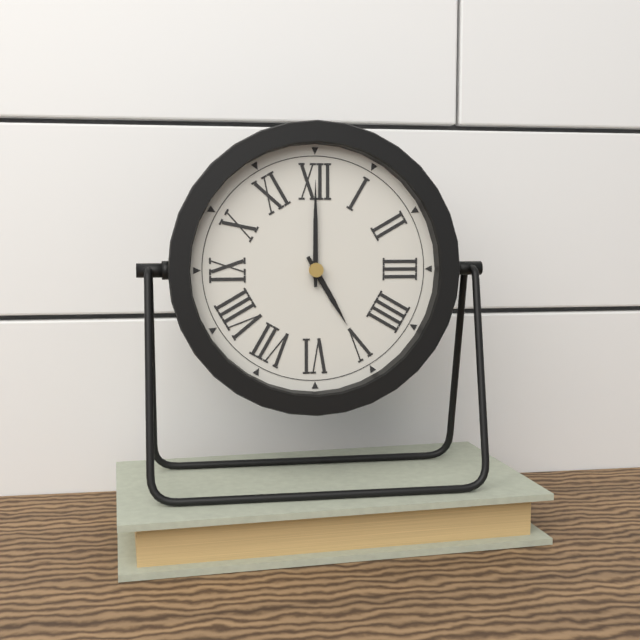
5:00
